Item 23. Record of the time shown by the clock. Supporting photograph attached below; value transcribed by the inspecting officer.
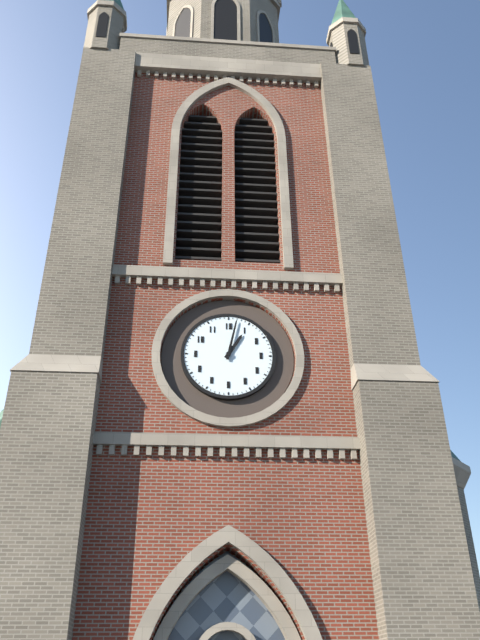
1:02
